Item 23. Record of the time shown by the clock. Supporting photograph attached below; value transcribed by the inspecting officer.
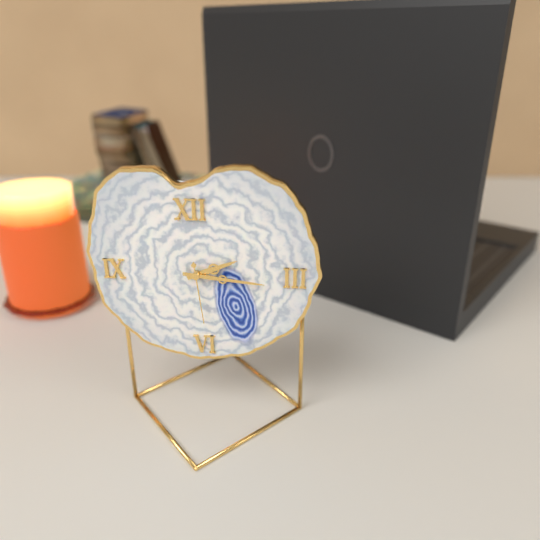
2:16:29
